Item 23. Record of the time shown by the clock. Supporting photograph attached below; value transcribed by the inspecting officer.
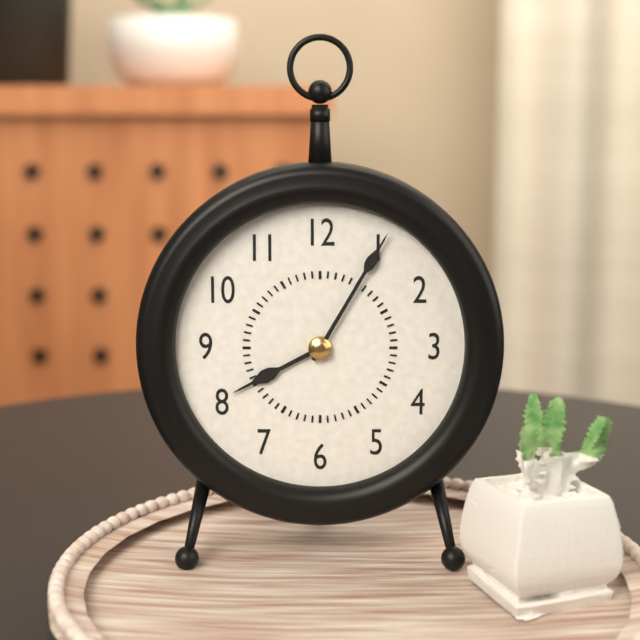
8:05
